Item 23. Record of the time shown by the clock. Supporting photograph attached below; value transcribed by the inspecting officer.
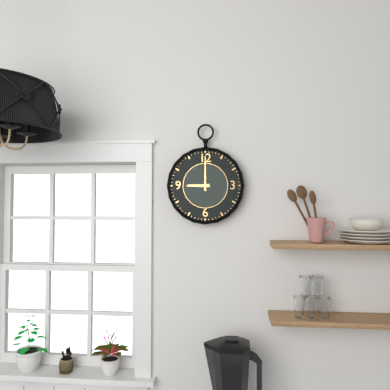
9:00
